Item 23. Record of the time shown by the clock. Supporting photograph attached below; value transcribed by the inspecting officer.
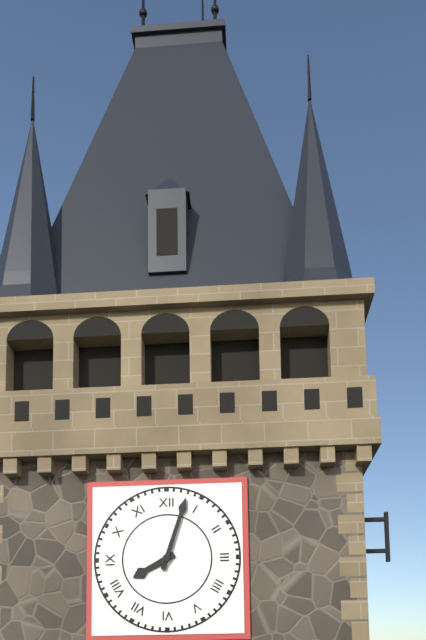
8:03
